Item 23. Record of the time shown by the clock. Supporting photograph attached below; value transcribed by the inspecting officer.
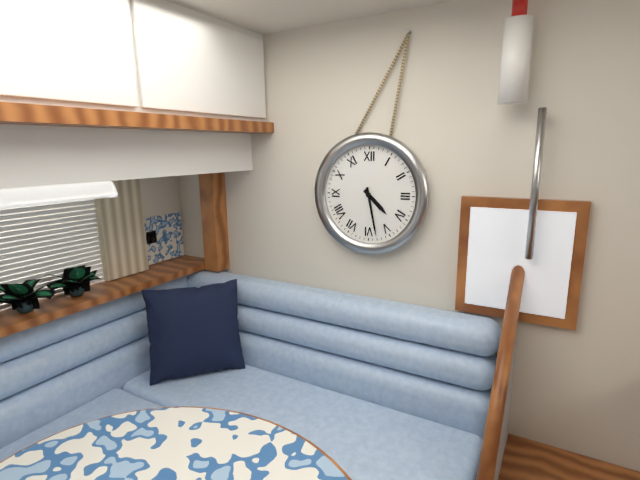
4:28
